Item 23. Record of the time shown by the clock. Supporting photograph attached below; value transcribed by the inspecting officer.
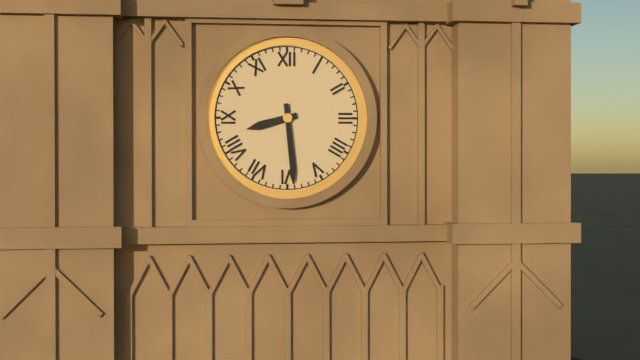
8:29
